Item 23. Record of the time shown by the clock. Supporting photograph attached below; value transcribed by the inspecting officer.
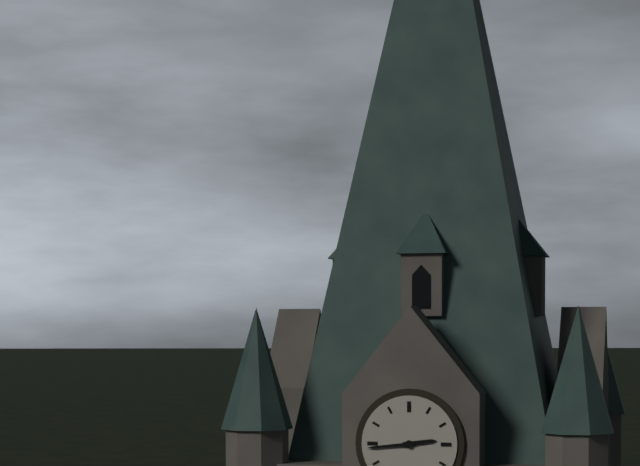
2:44
